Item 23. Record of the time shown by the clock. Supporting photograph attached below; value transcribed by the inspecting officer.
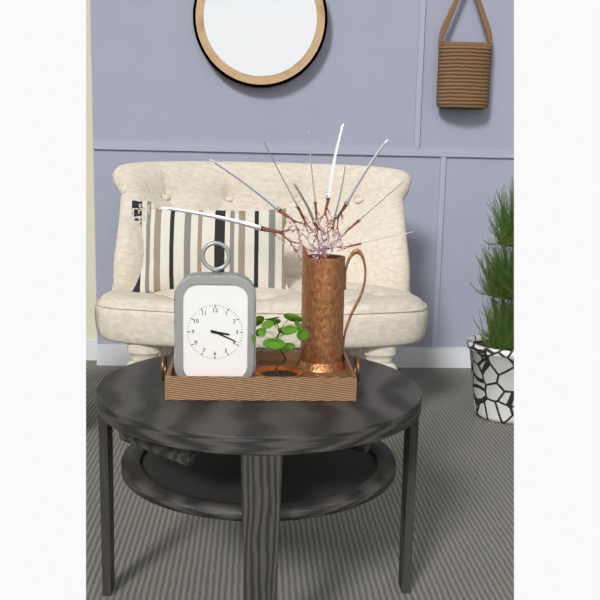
3:19
